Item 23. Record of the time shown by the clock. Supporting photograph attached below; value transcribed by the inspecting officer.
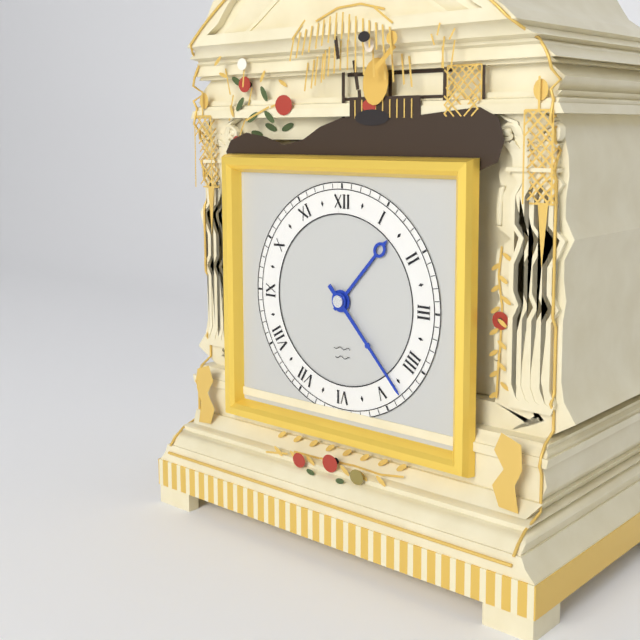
1:23
